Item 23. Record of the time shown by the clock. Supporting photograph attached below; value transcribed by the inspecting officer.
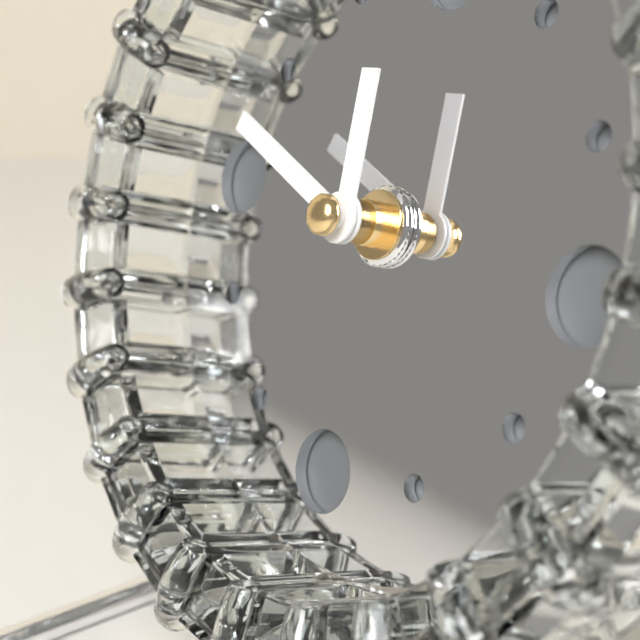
11:48
